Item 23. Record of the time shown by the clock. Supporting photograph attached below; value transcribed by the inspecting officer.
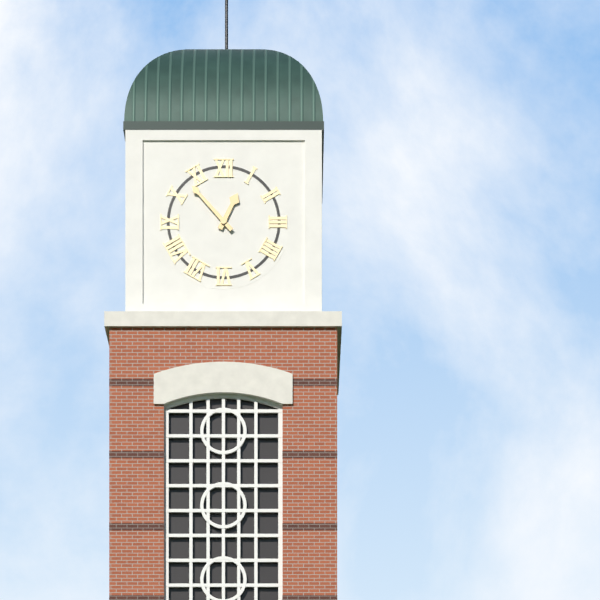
12:53
